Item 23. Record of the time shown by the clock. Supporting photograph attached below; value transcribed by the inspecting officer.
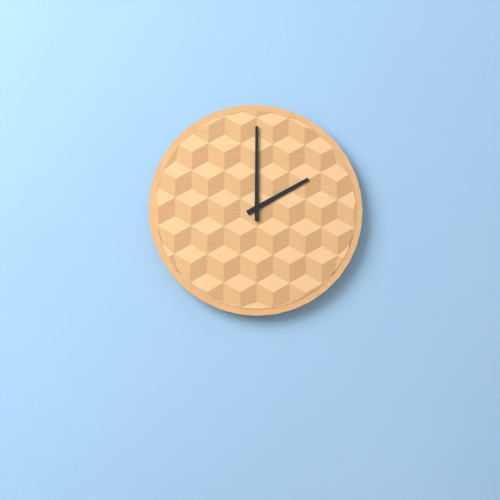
2:00
